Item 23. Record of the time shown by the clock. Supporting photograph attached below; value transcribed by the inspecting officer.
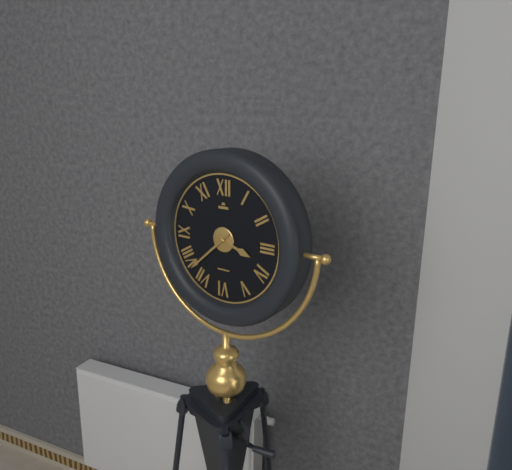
3:38
